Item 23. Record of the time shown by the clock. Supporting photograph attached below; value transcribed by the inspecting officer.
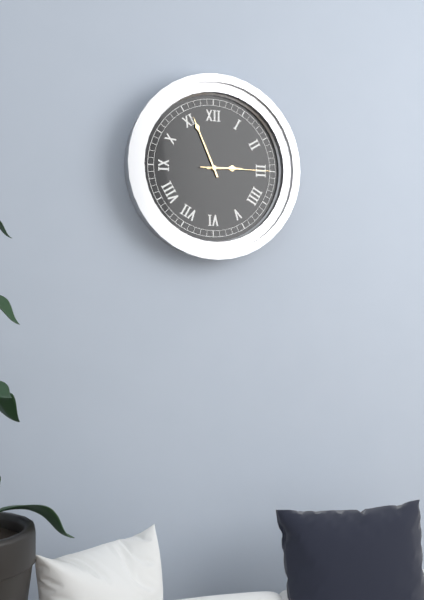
2:56:15
